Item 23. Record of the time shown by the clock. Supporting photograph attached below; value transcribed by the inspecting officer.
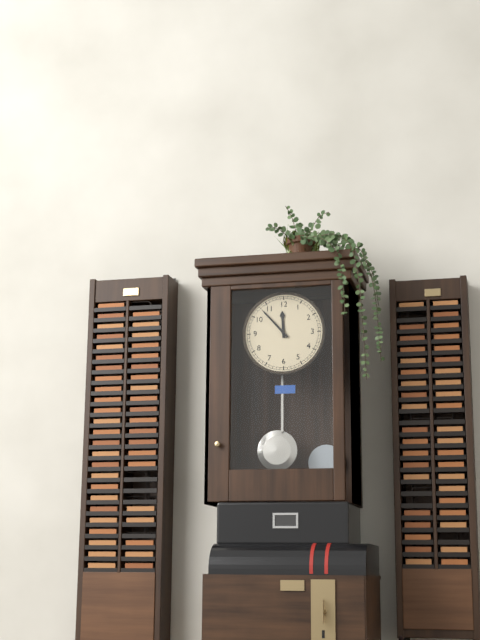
11:53
